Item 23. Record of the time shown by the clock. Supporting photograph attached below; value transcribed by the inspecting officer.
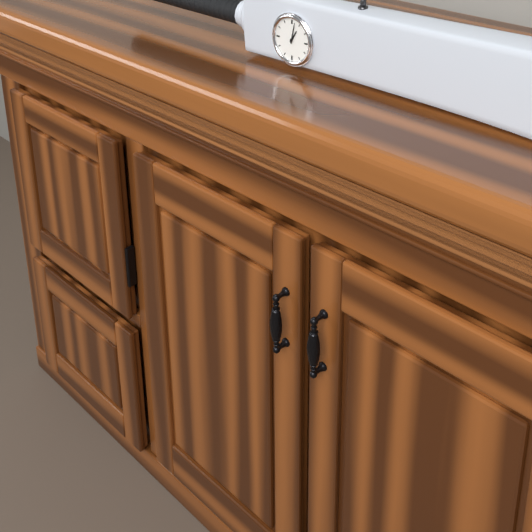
1:02
